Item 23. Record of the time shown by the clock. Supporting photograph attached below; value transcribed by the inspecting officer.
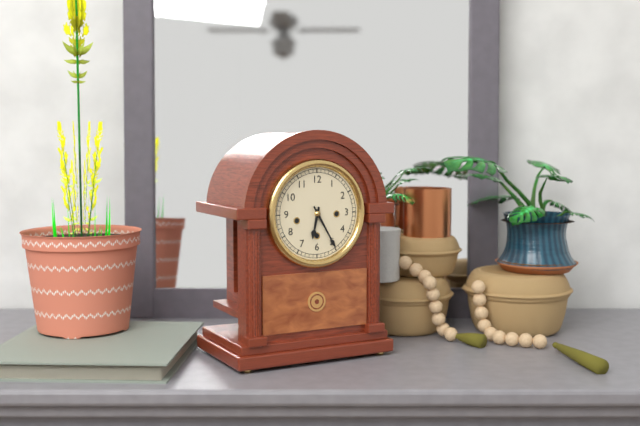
6:25
